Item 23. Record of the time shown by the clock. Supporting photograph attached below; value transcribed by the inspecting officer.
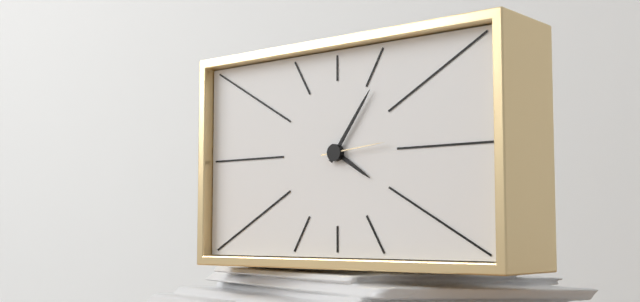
4:06:14
